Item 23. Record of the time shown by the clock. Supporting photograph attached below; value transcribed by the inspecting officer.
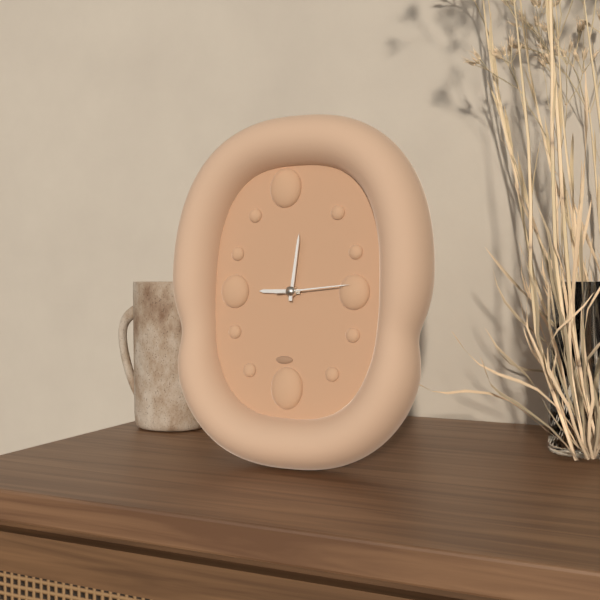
9:01:14
